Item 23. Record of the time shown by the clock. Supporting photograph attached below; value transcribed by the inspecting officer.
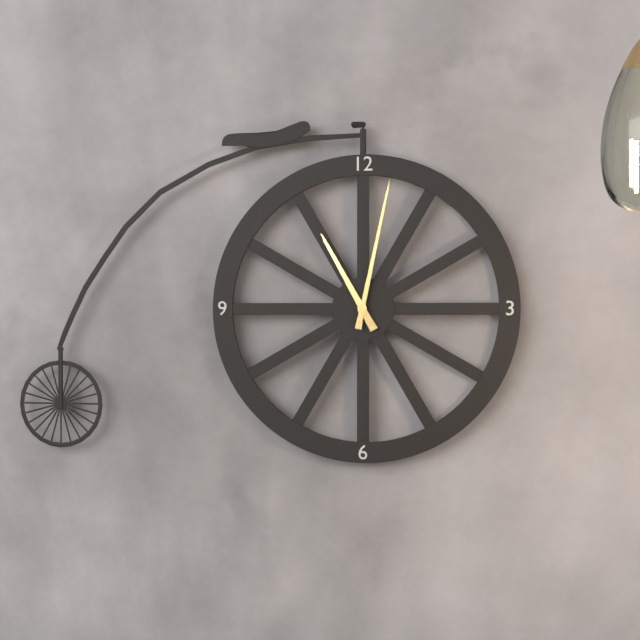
11:02
